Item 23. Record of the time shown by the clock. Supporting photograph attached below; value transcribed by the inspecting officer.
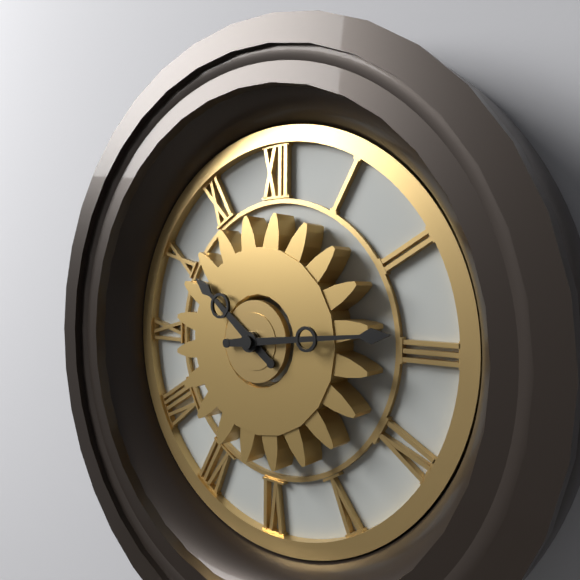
10:14
